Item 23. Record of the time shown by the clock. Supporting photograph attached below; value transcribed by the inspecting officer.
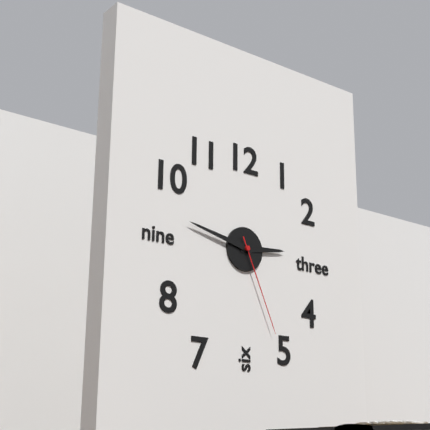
2:47:26
